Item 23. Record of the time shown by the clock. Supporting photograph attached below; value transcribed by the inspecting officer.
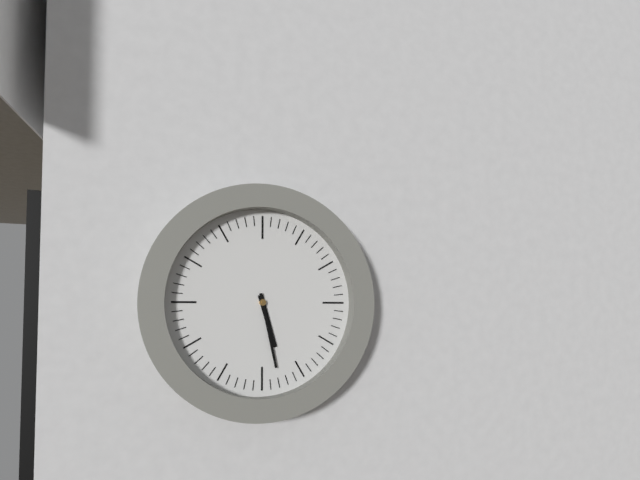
5:28
